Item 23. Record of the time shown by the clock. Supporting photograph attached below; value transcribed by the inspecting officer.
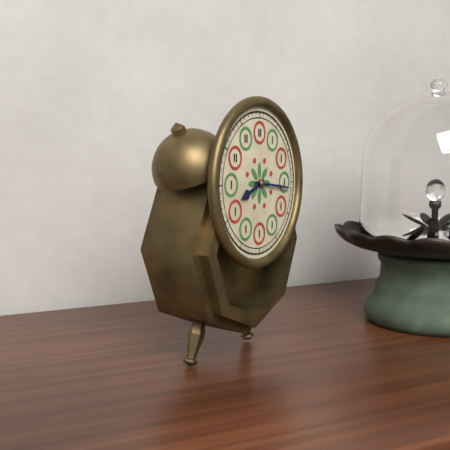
8:16
